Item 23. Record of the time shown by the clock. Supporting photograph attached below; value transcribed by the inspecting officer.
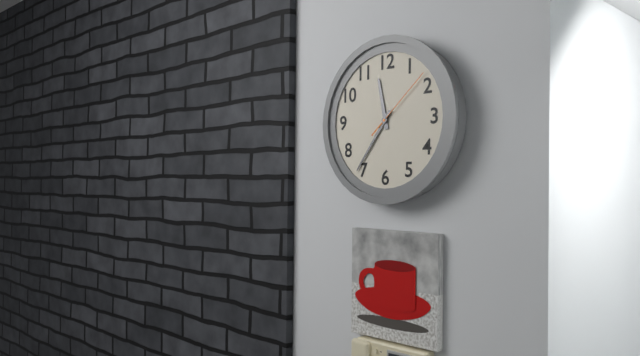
11:36:08
